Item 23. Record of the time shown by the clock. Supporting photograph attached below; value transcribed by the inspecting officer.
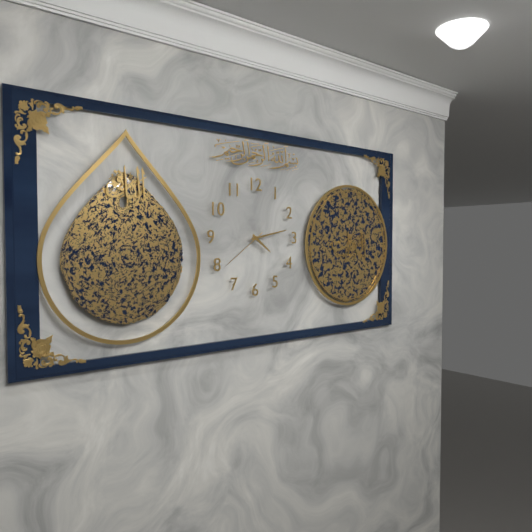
4:13:39
